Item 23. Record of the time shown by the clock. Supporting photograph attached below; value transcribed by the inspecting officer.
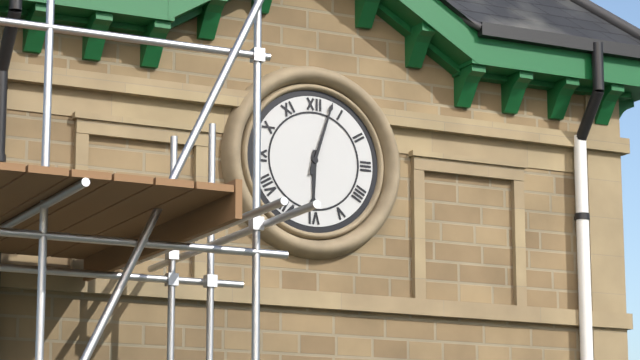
6:03
